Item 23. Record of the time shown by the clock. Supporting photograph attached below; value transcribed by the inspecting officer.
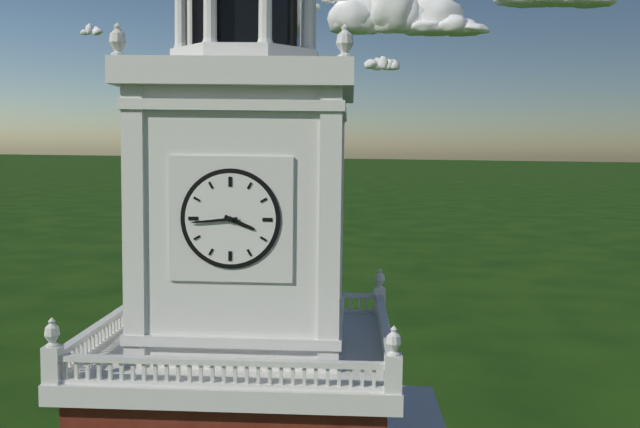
3:44
